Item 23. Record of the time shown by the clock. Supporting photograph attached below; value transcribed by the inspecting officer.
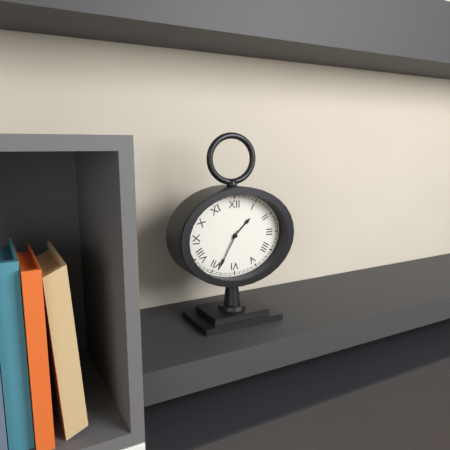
1:35
